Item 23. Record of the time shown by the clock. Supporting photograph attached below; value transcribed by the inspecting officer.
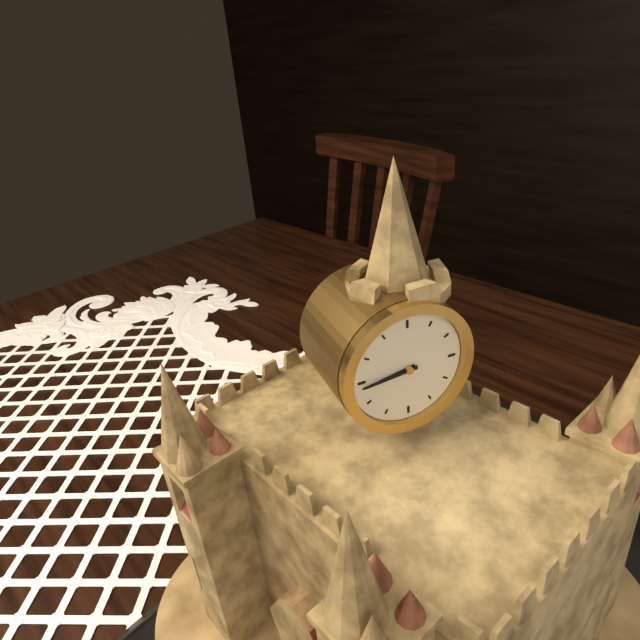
8:44
